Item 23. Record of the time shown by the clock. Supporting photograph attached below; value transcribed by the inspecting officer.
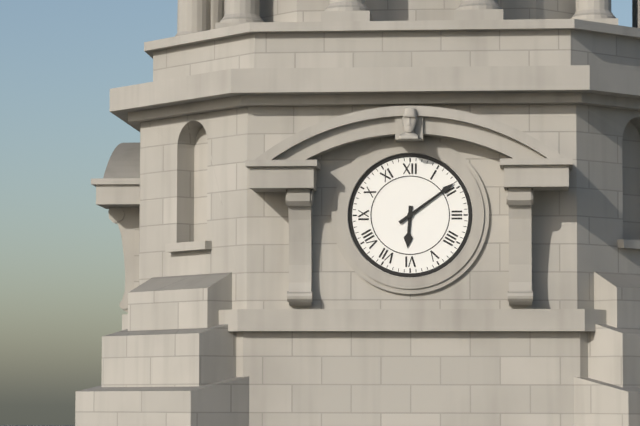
6:09
